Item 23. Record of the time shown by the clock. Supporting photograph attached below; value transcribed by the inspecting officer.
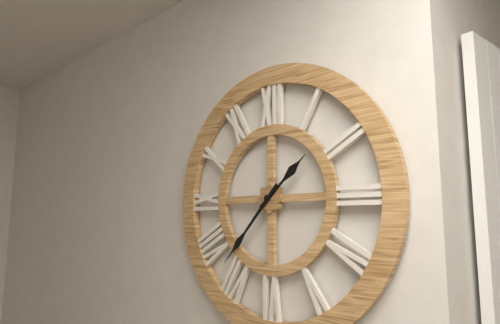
1:37
